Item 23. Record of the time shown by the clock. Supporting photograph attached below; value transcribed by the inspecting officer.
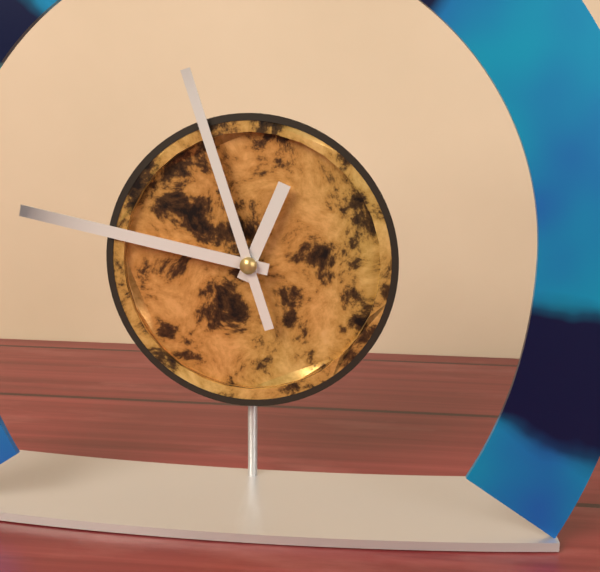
12:47:57
